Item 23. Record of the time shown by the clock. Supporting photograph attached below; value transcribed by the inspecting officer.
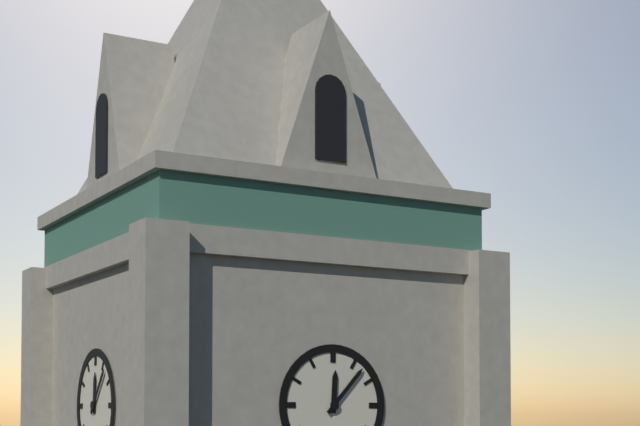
12:07
